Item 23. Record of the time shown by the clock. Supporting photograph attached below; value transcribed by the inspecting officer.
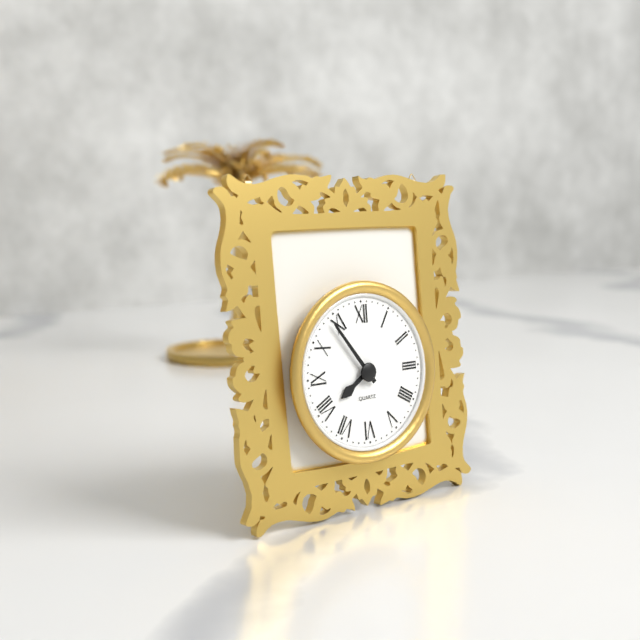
7:54
